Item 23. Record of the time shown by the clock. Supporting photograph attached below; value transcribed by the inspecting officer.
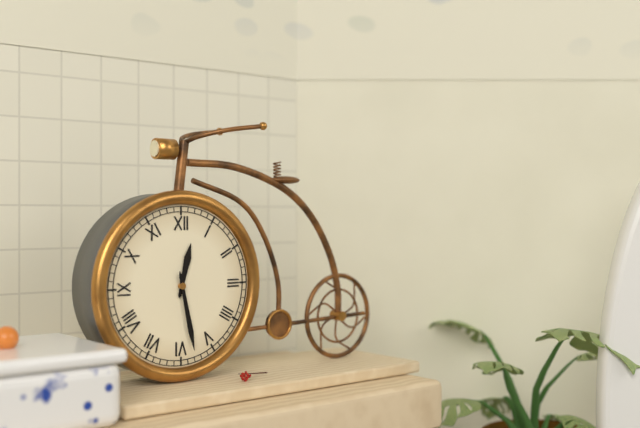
12:28
